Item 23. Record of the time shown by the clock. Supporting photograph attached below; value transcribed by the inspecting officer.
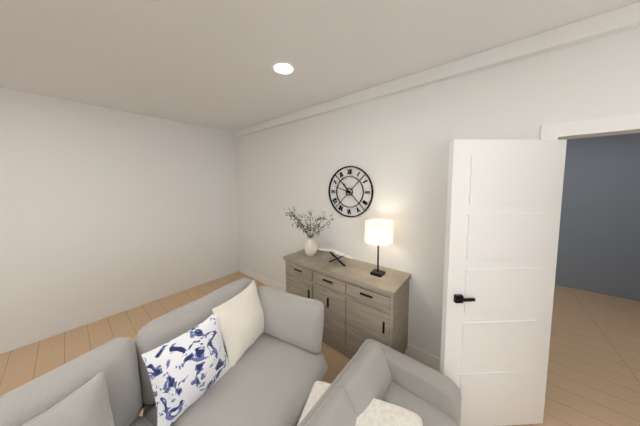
10:48
